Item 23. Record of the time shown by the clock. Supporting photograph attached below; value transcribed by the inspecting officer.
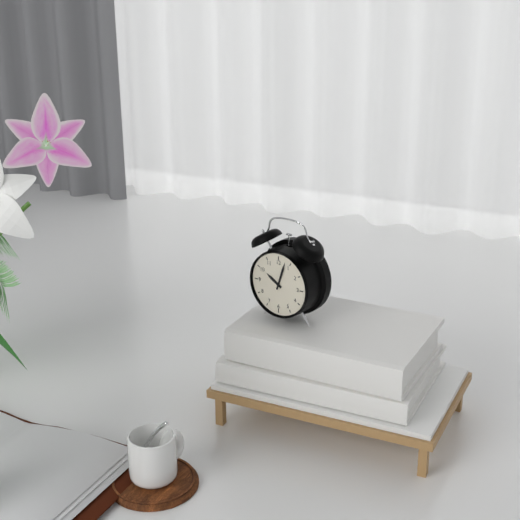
10:03
